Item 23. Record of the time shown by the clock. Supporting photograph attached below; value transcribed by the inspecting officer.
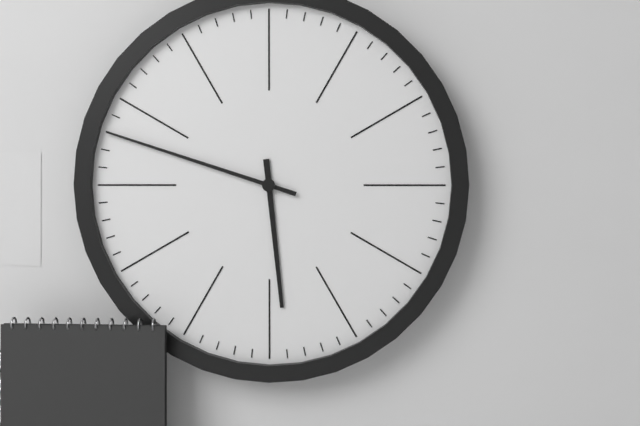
5:48
